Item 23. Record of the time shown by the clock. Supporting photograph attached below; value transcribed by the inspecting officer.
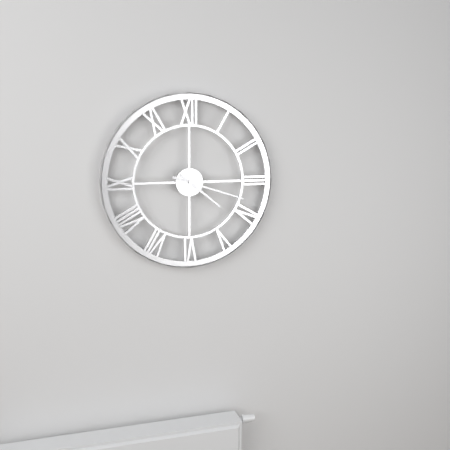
4:18
